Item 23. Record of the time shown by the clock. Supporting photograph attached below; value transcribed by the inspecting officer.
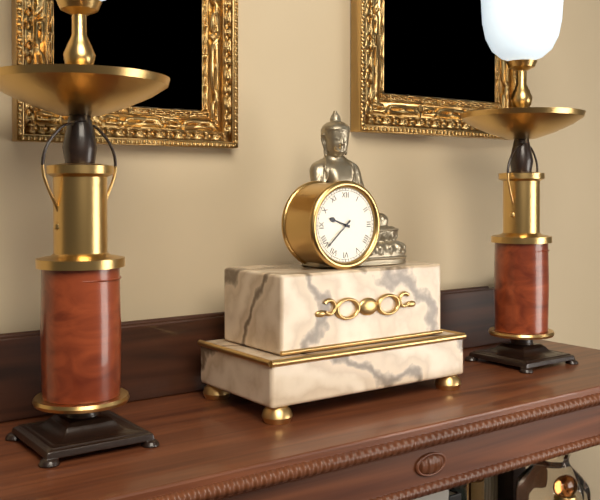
9:38
